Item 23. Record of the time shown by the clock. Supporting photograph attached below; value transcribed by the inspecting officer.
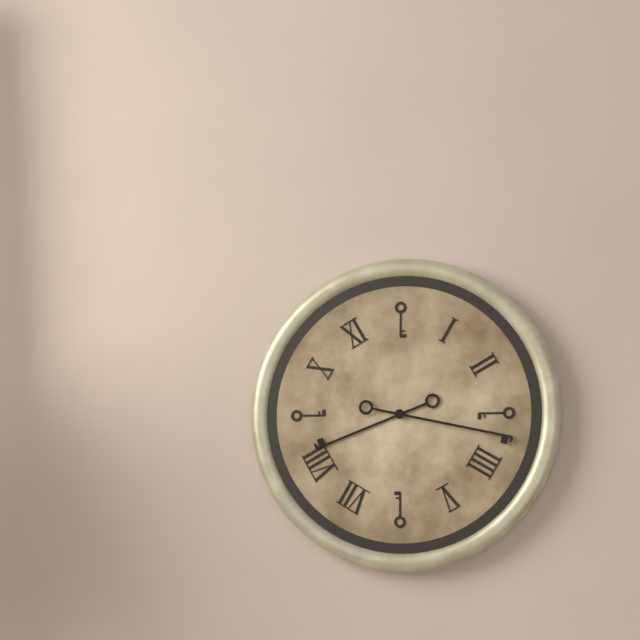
8:17
